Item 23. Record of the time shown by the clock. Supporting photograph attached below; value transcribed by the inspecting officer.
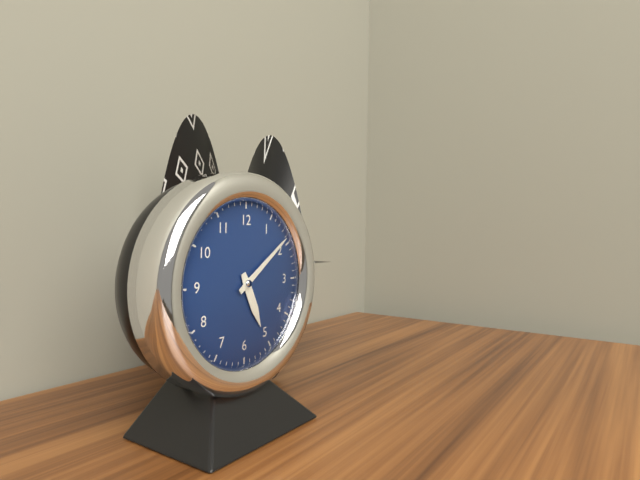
5:09
